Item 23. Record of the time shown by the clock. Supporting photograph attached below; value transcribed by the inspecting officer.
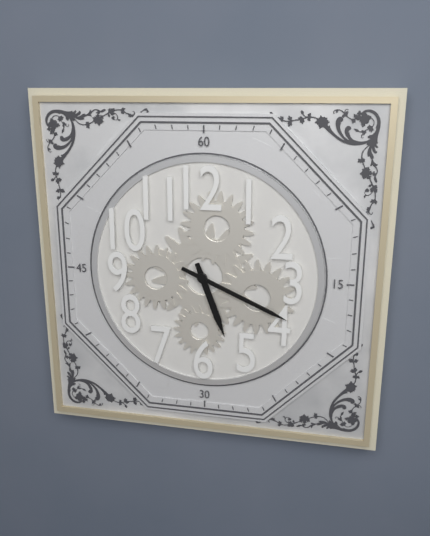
5:19
